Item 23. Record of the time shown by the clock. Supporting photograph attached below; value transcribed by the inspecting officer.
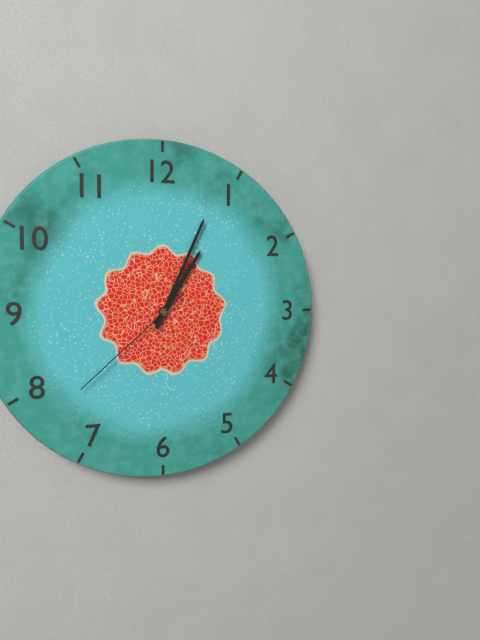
1:04:38
